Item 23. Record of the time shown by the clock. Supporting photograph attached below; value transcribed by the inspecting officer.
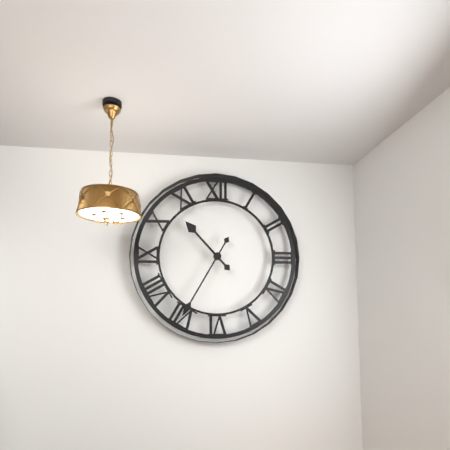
10:35
